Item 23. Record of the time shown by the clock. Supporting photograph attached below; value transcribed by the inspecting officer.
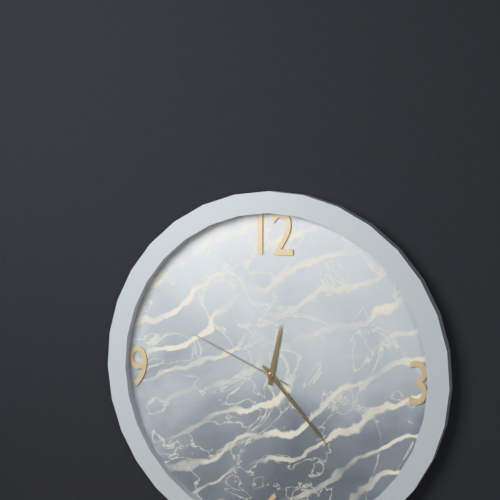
12:23:49
